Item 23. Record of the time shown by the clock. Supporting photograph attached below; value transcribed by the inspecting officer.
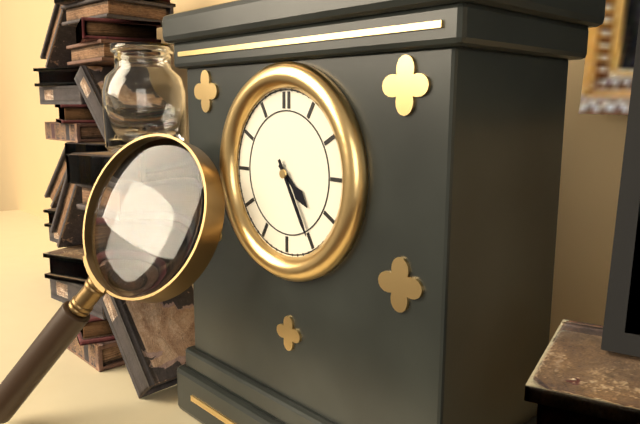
4:25
